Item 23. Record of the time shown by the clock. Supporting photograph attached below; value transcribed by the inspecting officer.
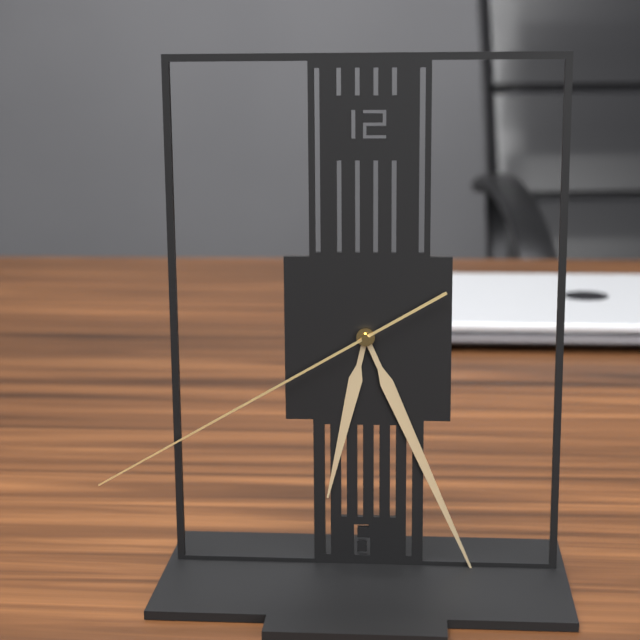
6:26:40
